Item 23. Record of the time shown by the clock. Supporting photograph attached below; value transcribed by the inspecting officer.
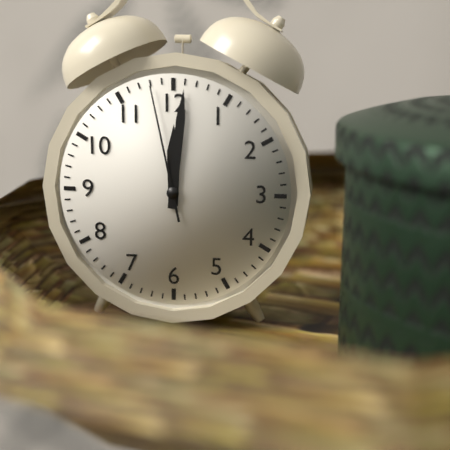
12:01:58
